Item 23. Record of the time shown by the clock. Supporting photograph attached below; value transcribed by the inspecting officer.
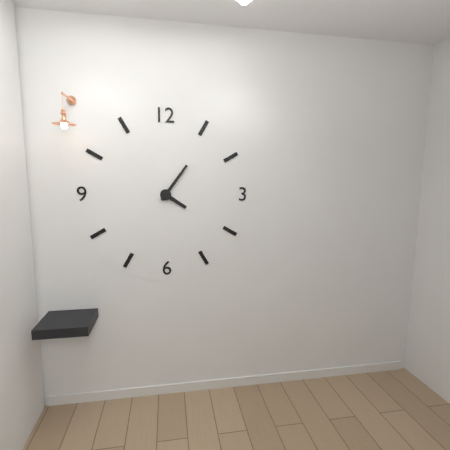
4:06
